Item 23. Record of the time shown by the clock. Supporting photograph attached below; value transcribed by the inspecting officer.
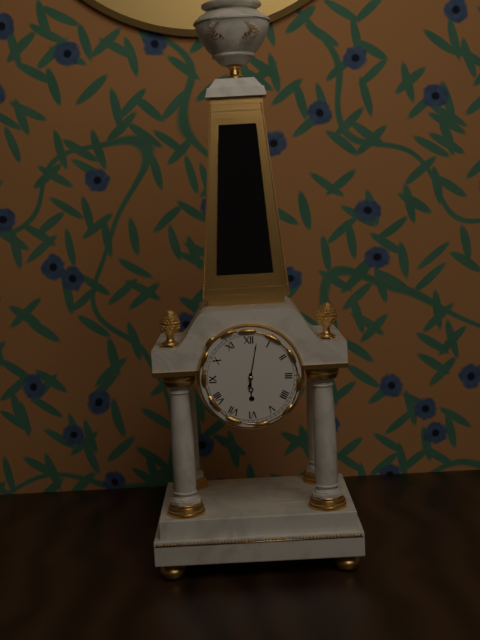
6:02
